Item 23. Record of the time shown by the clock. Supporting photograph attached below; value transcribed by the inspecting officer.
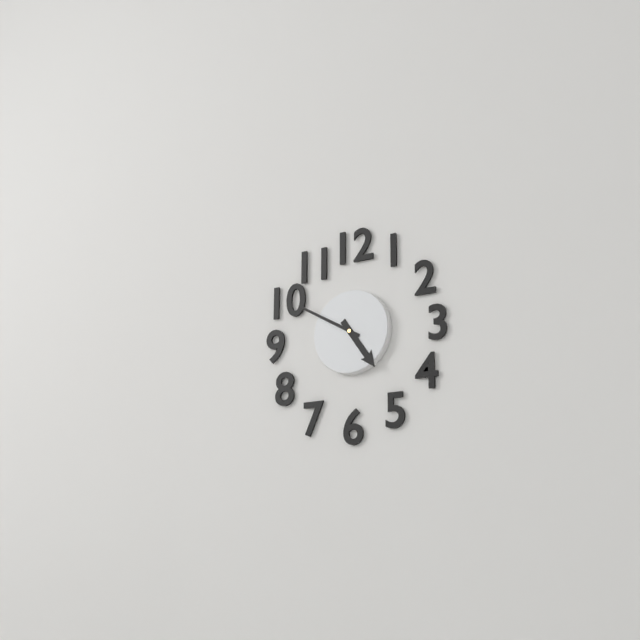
4:50
